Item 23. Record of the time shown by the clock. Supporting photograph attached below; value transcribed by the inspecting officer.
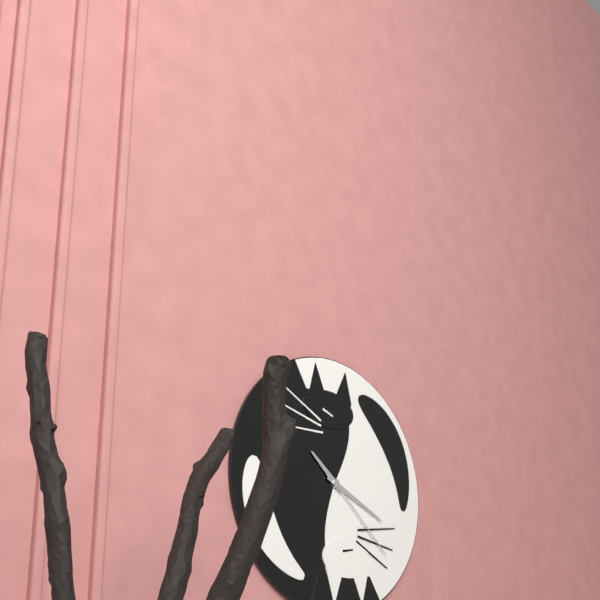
10:19:22
